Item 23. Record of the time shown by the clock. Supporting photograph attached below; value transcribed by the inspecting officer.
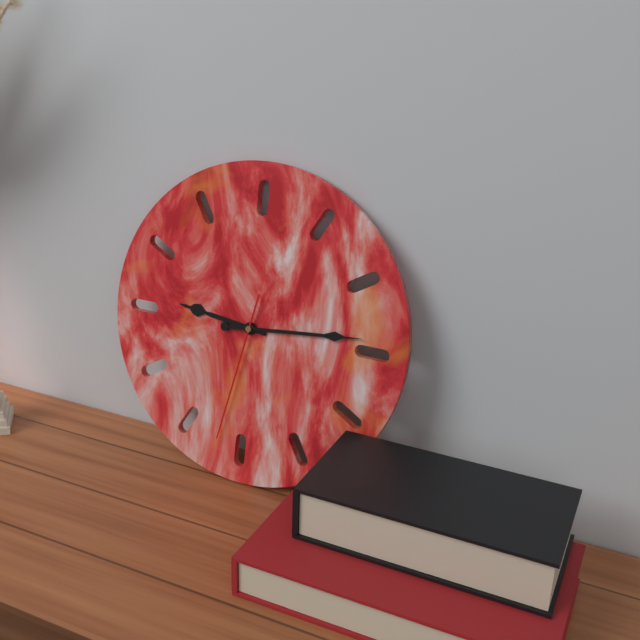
9:14:32
